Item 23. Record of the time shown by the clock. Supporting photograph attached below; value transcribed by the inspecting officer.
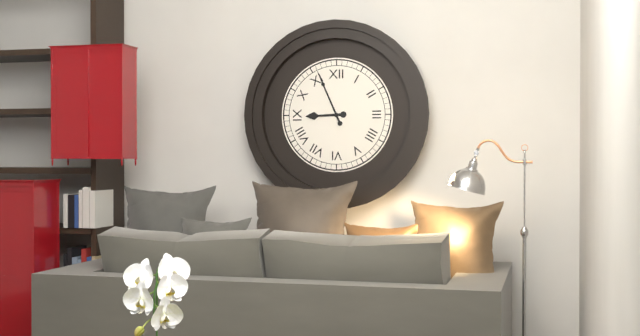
8:56
